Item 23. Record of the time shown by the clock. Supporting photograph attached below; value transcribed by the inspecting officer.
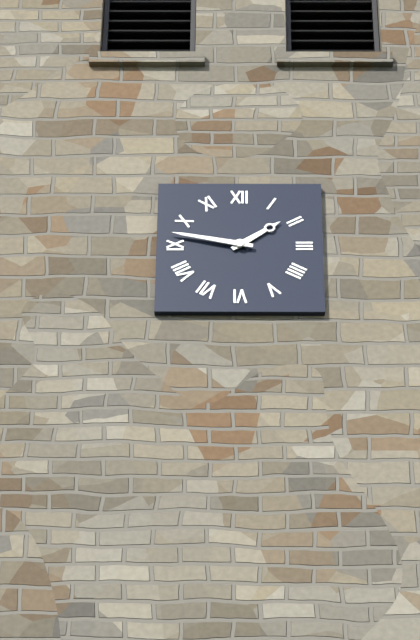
1:47
